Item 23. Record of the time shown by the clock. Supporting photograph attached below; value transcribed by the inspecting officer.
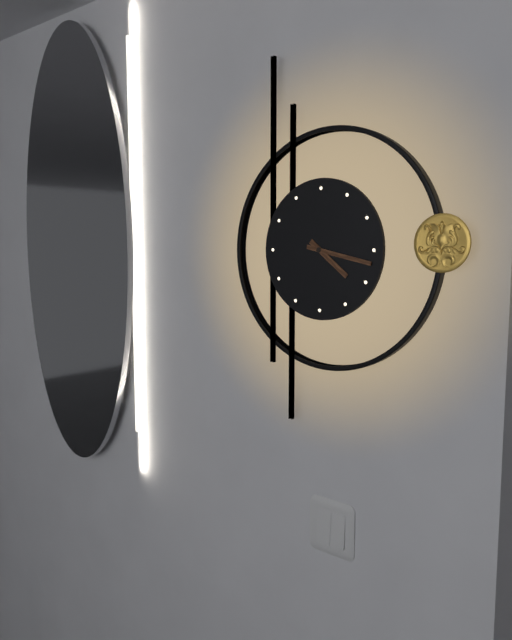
4:17
